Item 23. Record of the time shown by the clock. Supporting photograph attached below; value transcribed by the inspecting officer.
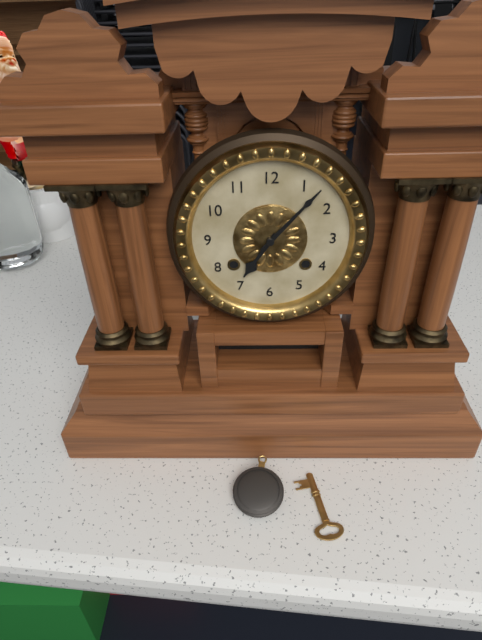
7:07
